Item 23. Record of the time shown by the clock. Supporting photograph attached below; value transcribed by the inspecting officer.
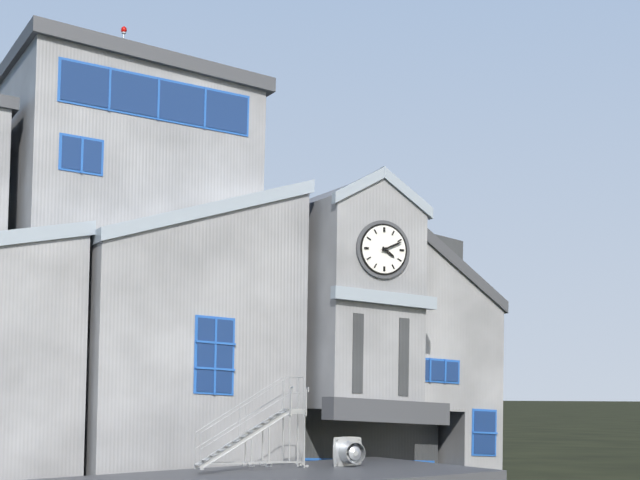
4:11
